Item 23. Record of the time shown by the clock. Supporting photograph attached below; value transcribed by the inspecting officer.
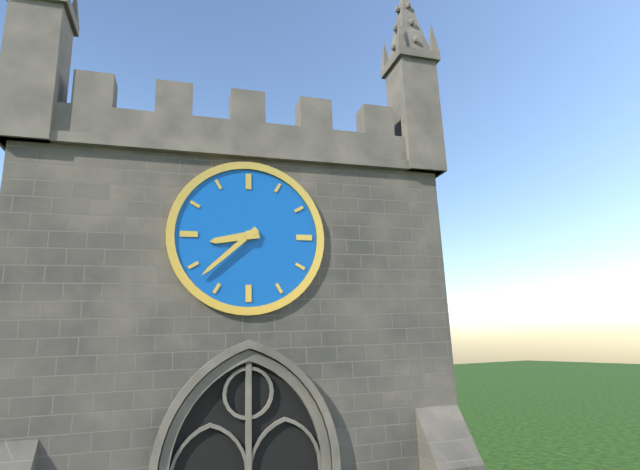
8:38
